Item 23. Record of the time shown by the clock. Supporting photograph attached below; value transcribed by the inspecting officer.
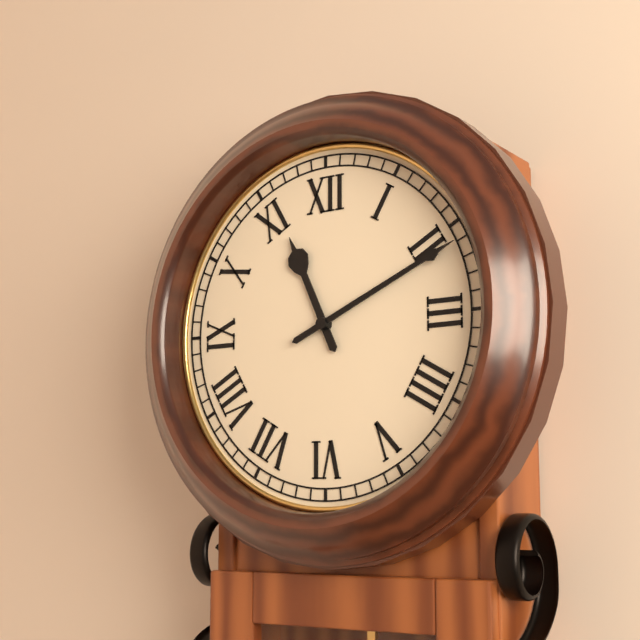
11:11
